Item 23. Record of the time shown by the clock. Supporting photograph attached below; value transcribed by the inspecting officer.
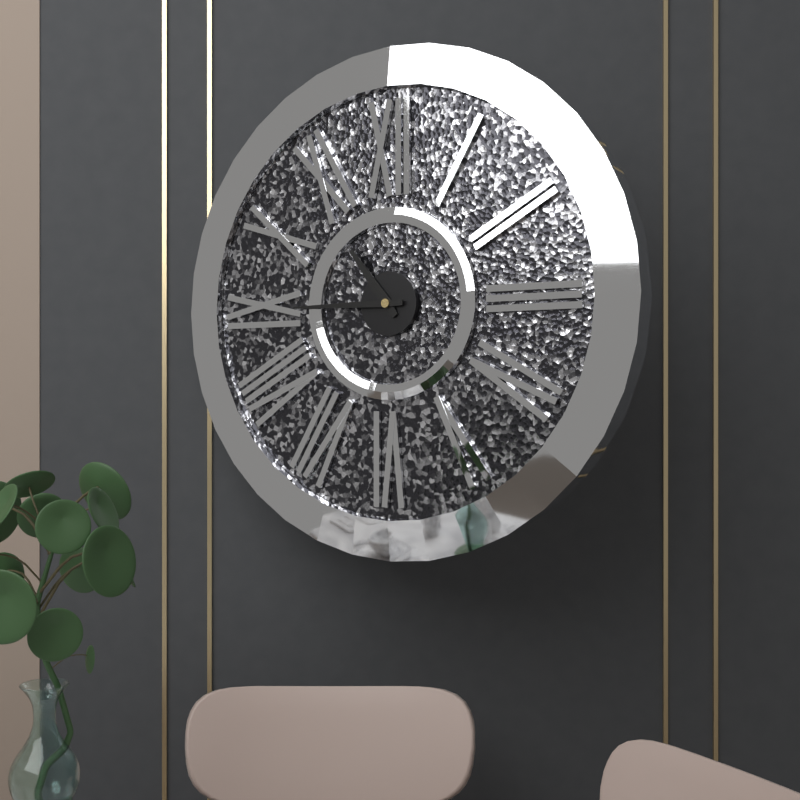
10:45
